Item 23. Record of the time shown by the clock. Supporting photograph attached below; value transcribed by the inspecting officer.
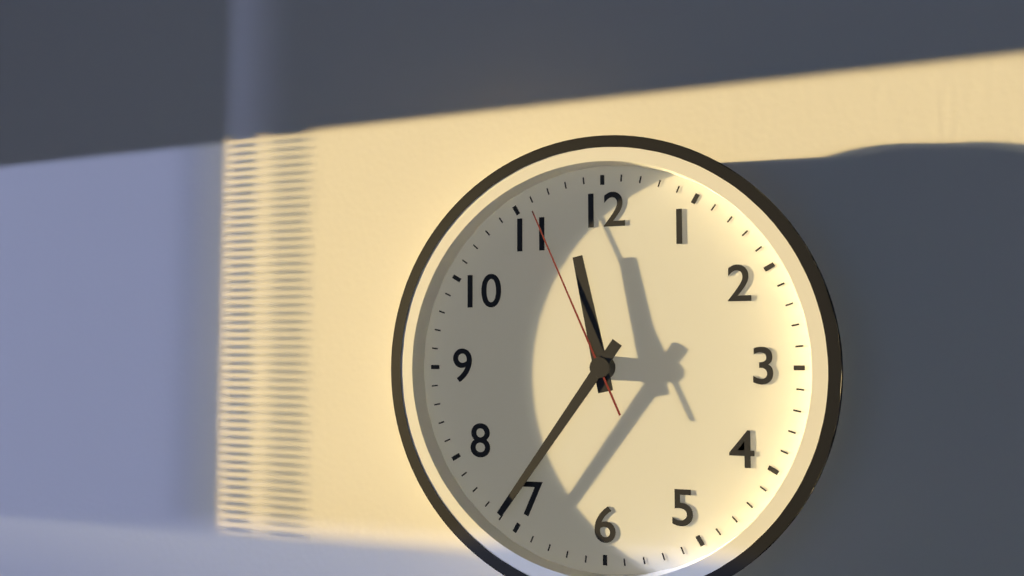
11:36:56
